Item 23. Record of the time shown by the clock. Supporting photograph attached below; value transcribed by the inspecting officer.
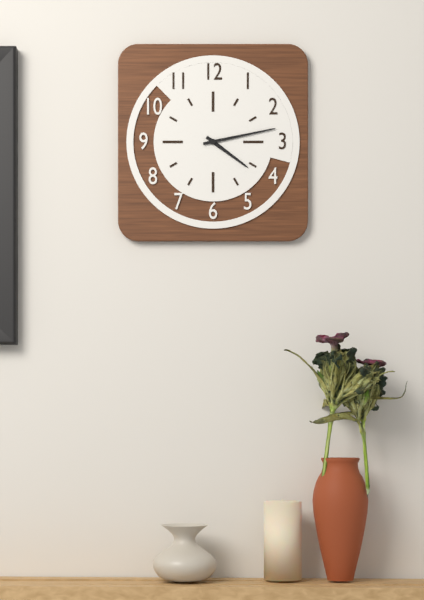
4:13
